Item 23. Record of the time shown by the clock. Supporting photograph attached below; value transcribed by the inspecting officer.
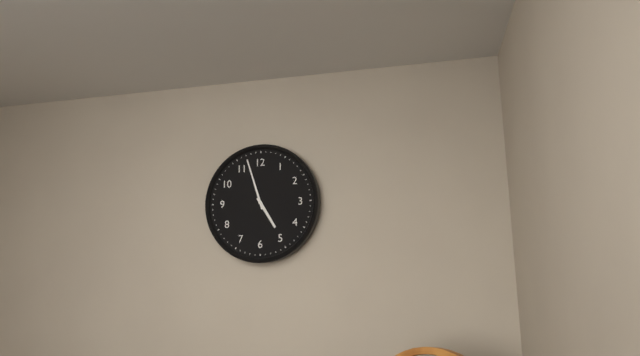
4:57
